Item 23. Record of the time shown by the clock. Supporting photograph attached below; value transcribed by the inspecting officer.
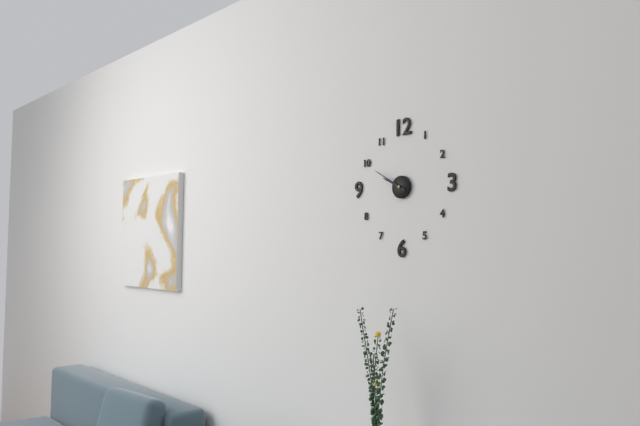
9:50
